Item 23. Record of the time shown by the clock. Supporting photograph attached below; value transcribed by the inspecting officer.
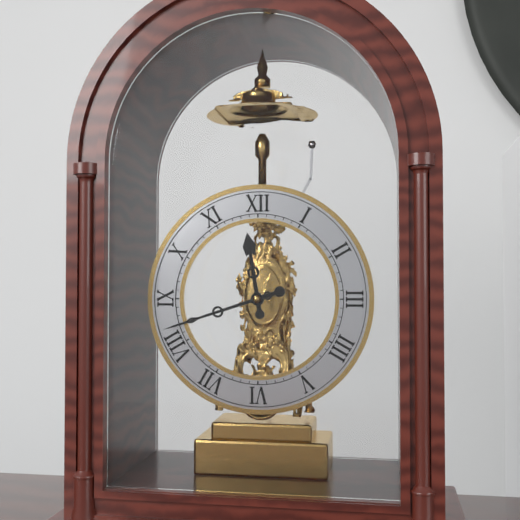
11:42
